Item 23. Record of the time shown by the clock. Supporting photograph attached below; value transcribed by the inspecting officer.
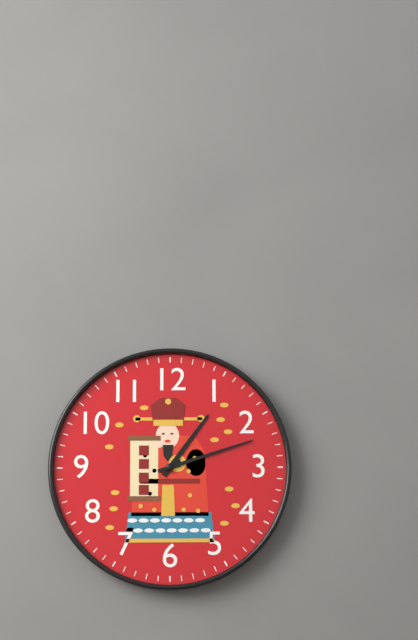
1:12
